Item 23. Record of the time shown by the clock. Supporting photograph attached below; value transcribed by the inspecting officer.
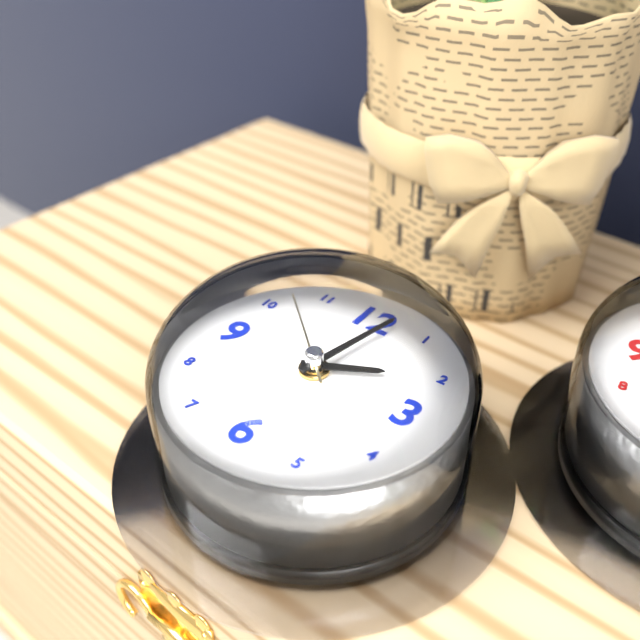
2:02:52
